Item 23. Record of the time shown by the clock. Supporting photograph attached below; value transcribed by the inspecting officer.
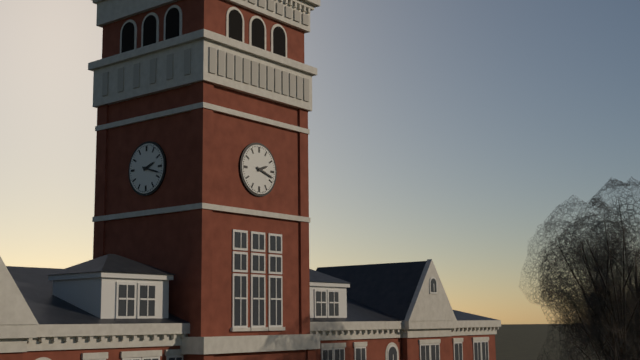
2:18
